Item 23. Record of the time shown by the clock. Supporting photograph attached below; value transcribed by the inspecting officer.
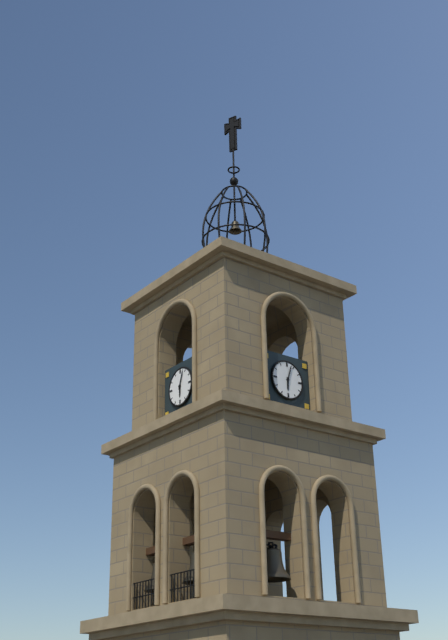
6:03
